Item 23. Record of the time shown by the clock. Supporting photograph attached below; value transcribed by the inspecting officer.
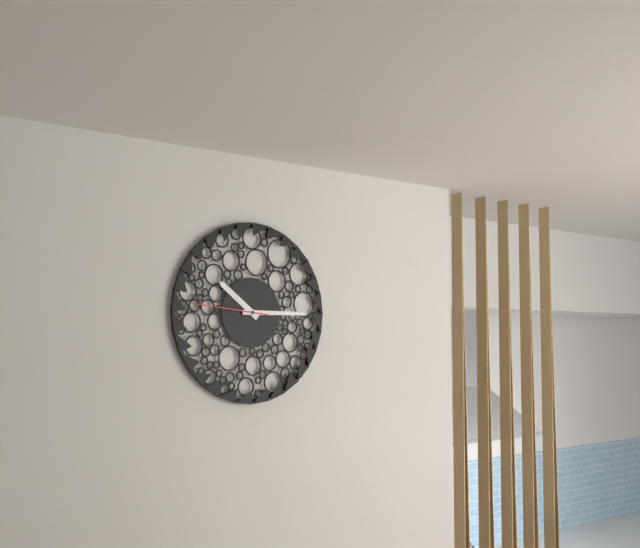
10:15:46
